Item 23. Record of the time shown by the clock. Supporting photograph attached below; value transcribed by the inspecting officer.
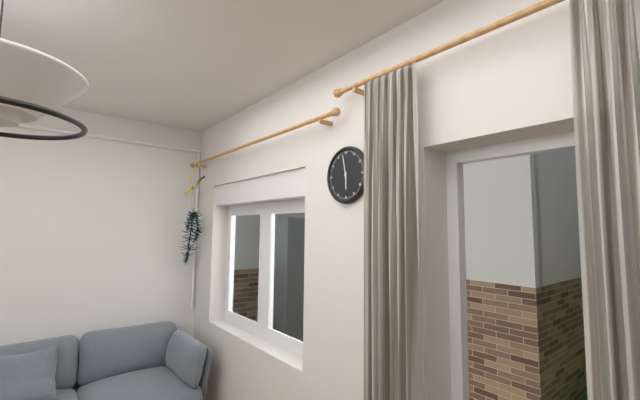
5:58
